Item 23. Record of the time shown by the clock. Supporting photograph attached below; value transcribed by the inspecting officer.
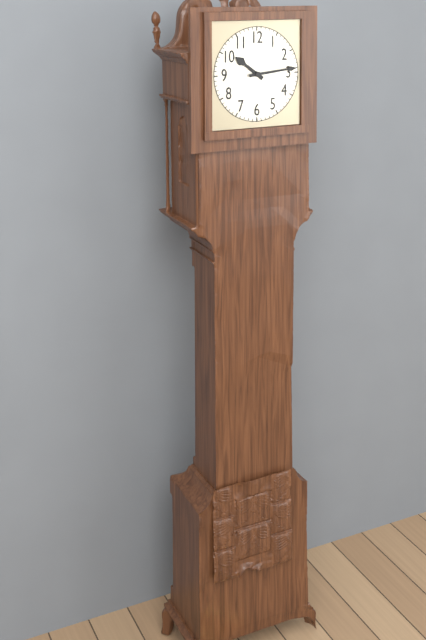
10:14
